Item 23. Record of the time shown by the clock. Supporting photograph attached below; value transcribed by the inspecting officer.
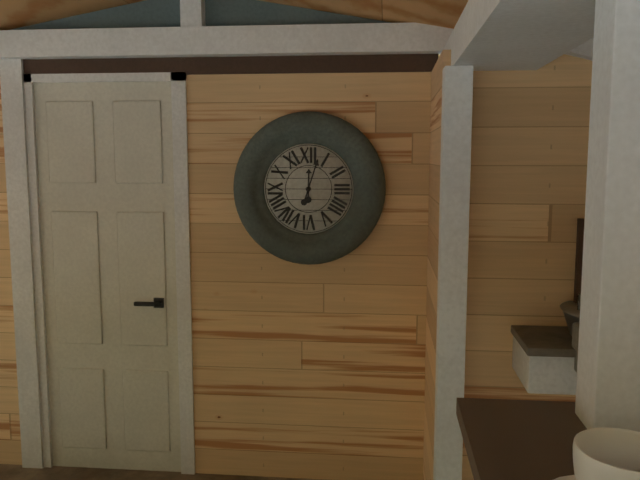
12:03
